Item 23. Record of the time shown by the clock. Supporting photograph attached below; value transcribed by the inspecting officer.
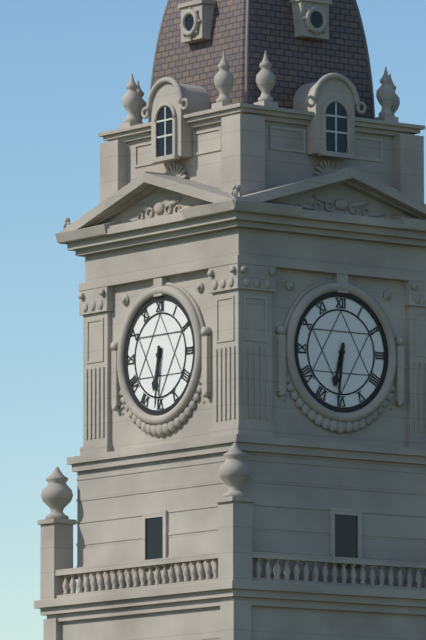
6:31
